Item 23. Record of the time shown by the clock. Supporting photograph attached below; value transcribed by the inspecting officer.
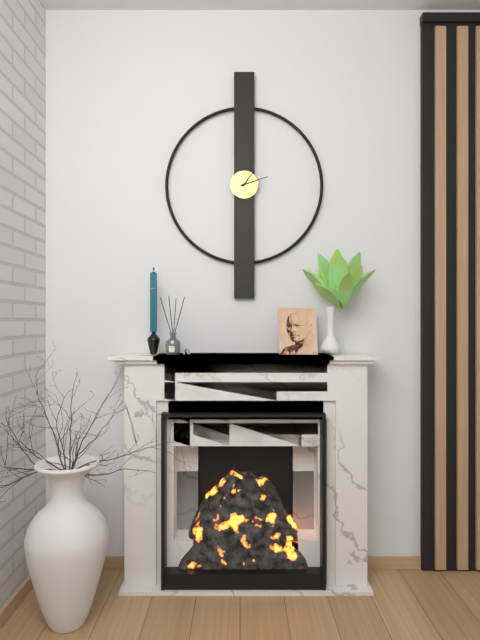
1:12
